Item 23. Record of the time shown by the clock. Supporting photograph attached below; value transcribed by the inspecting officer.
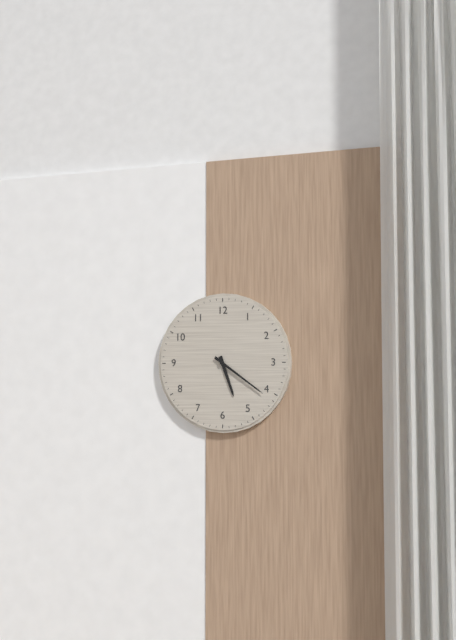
5:21
